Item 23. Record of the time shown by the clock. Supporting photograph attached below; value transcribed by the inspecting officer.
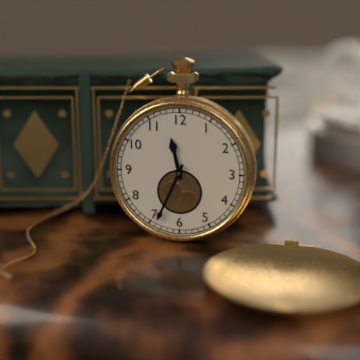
11:34
